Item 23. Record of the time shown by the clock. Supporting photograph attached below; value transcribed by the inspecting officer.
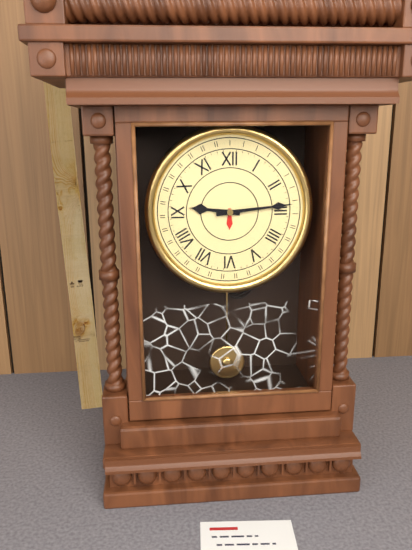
9:14
